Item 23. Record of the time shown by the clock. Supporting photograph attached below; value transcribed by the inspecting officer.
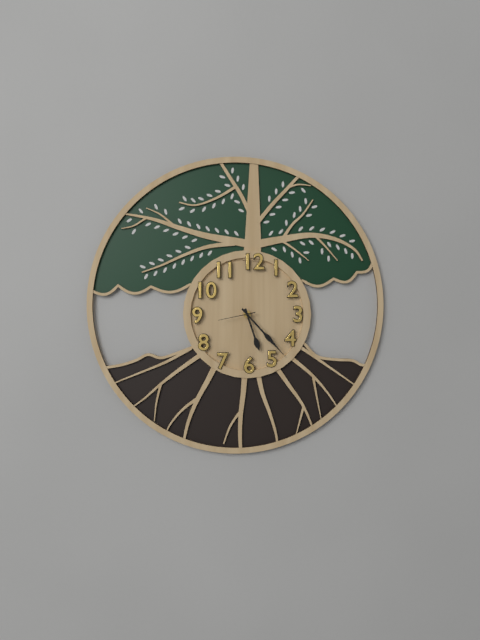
5:23
